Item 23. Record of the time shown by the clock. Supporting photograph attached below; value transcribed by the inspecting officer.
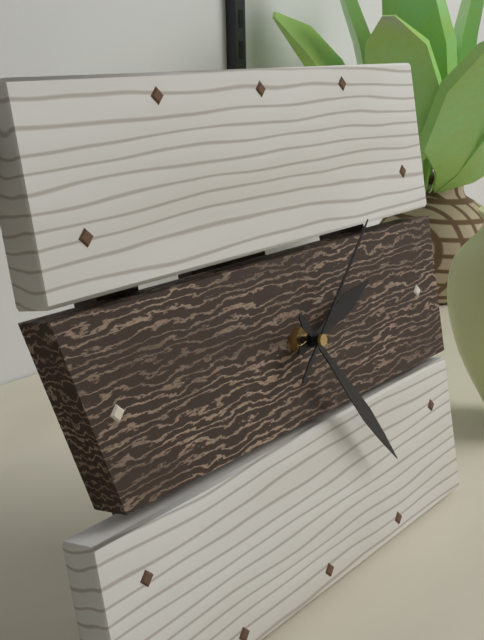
2:24:08
